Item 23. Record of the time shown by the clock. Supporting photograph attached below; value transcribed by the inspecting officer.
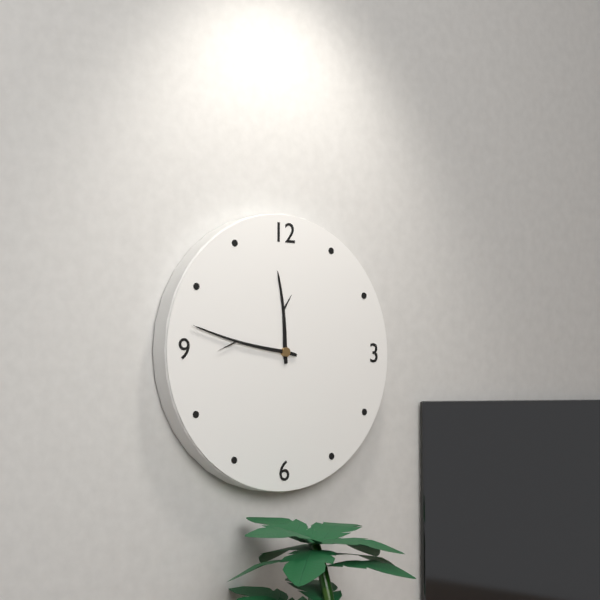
11:47
